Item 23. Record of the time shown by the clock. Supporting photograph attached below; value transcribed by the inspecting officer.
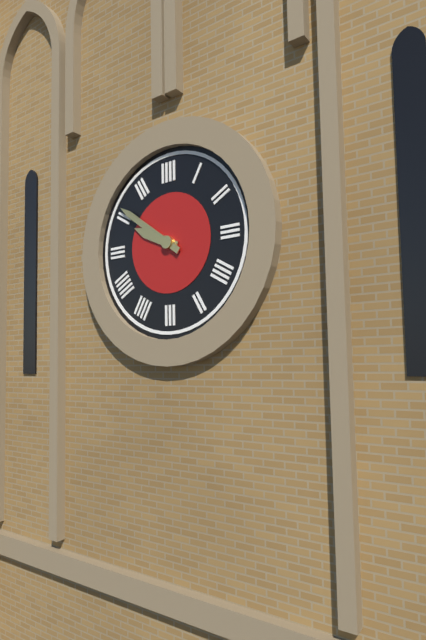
9:51
